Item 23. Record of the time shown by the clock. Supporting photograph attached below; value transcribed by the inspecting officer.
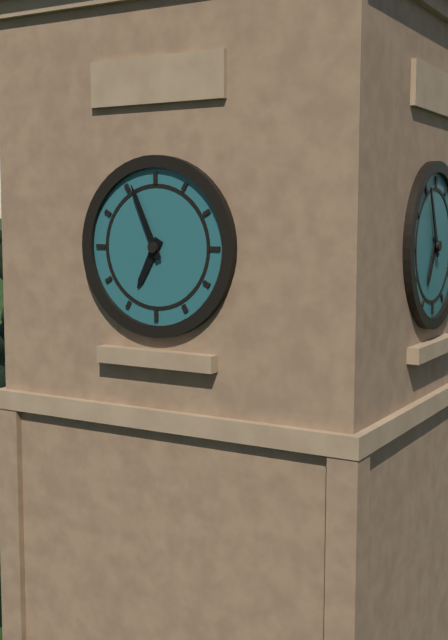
6:56
